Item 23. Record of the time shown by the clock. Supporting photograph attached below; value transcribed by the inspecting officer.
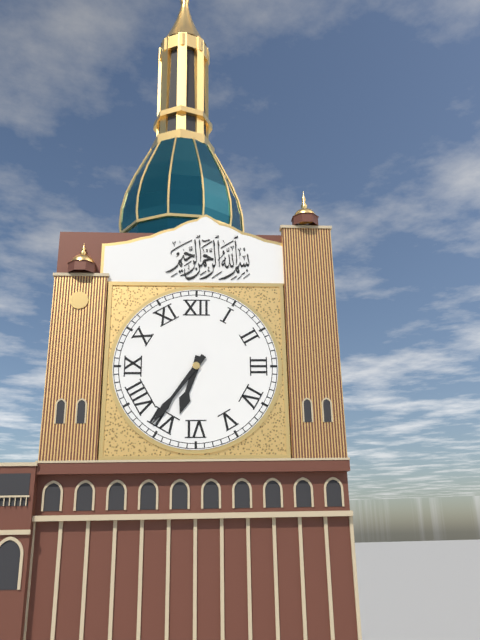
6:36
